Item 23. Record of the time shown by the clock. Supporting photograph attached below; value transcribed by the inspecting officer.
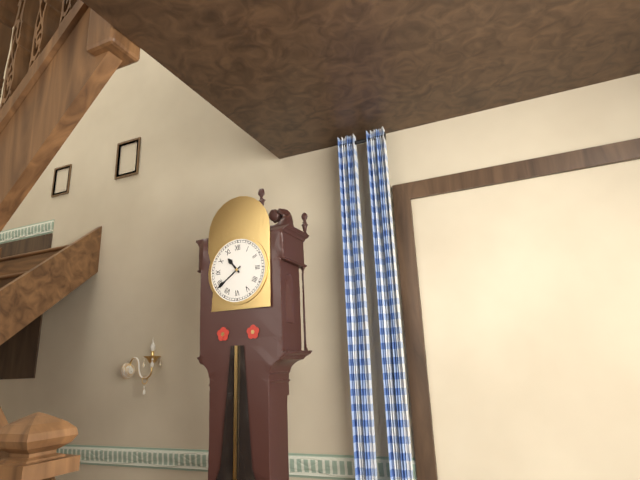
10:39
